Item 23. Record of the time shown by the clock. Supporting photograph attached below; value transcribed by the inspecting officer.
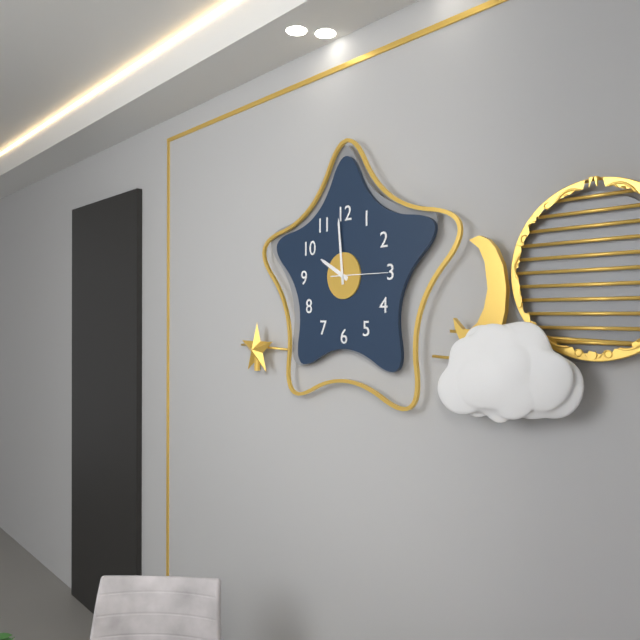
9:59
